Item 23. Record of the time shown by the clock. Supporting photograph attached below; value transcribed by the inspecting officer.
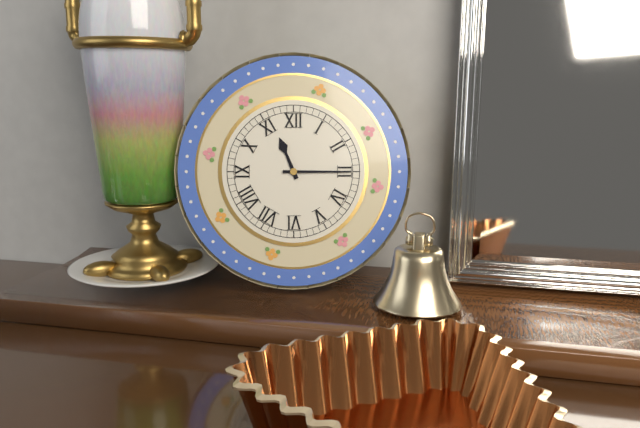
11:15
